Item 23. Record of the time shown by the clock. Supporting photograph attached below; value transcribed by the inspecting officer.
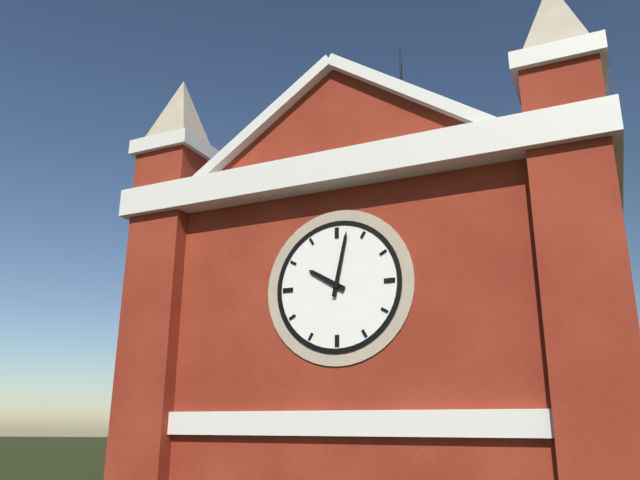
10:02
